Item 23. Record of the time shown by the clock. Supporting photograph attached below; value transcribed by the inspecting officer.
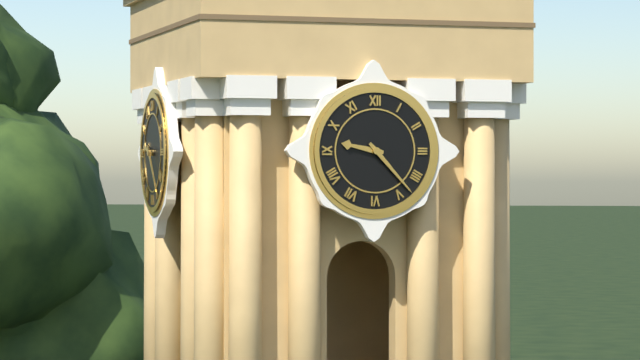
9:23
